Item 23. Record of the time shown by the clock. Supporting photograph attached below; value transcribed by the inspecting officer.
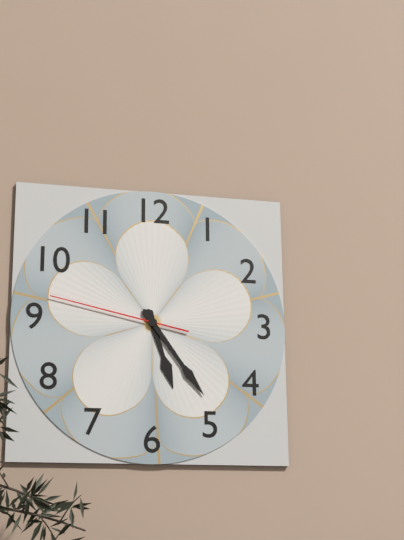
5:24:47
